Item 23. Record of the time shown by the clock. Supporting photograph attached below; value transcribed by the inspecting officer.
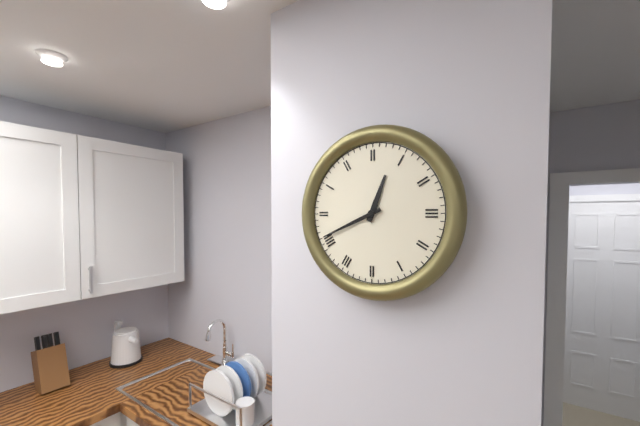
12:41
